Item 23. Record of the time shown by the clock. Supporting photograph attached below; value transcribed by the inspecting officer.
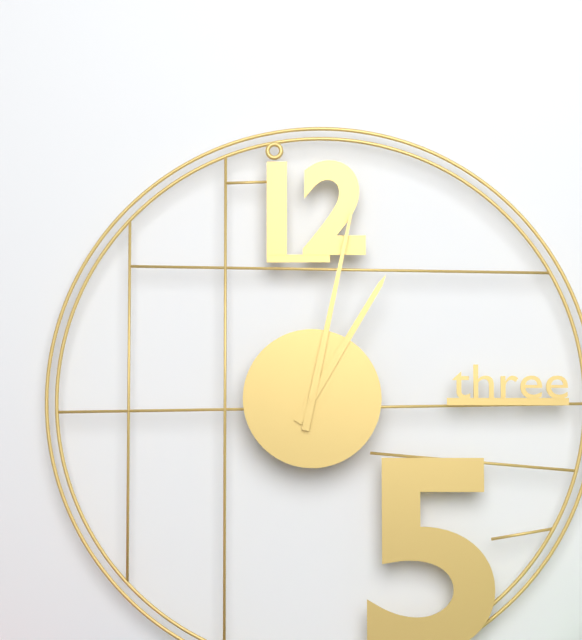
1:02
